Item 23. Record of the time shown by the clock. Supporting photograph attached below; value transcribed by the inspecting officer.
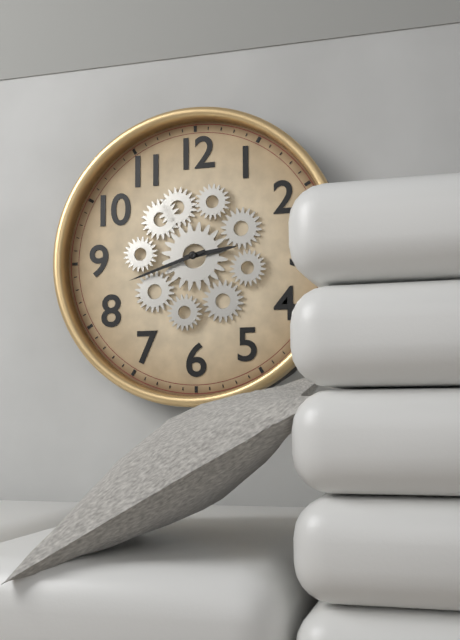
2:42
